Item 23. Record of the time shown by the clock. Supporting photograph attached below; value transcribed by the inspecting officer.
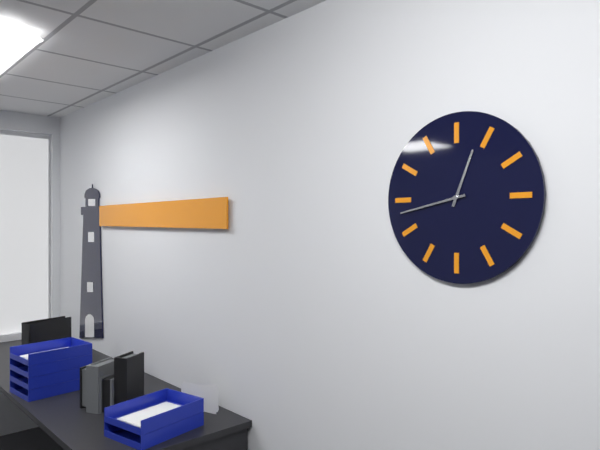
12:43
